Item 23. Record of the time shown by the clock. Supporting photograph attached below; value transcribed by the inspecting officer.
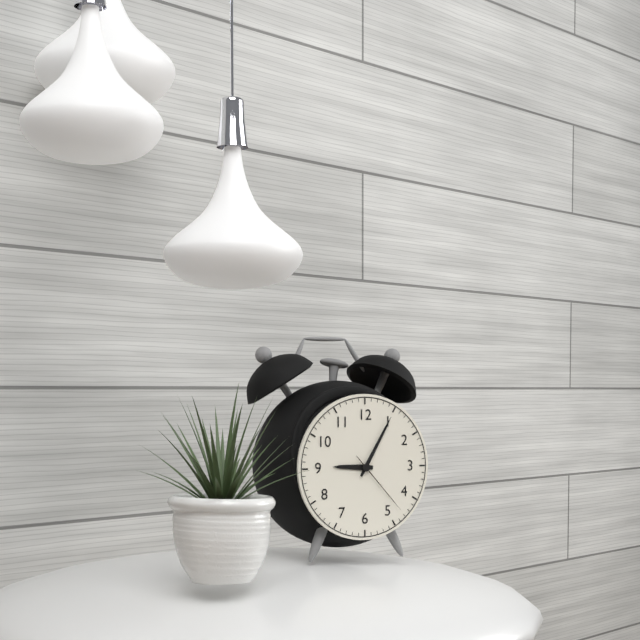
9:05:23
